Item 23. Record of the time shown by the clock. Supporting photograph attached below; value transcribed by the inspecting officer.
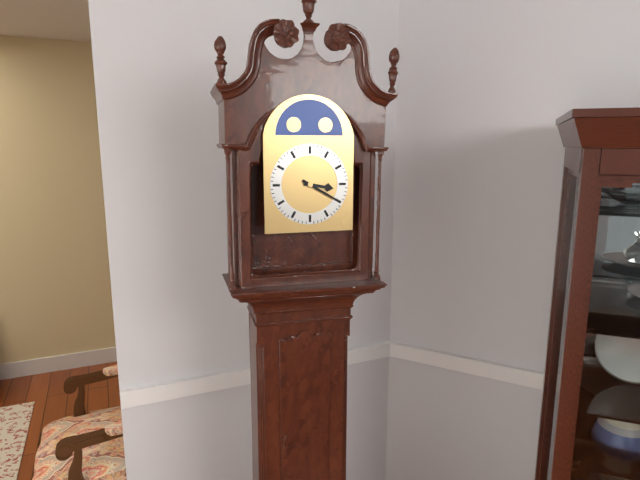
3:20
